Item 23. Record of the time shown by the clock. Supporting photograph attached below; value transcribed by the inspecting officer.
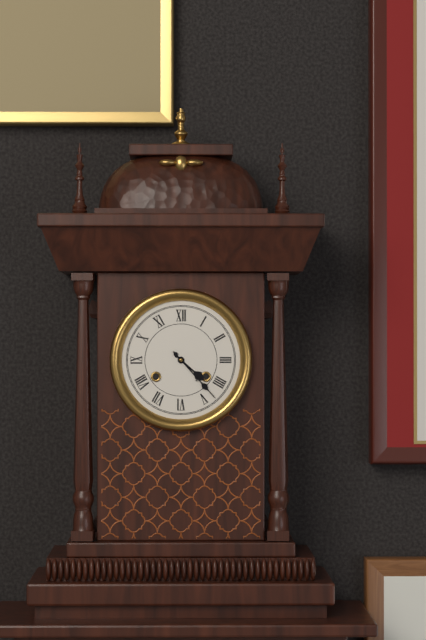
4:23
